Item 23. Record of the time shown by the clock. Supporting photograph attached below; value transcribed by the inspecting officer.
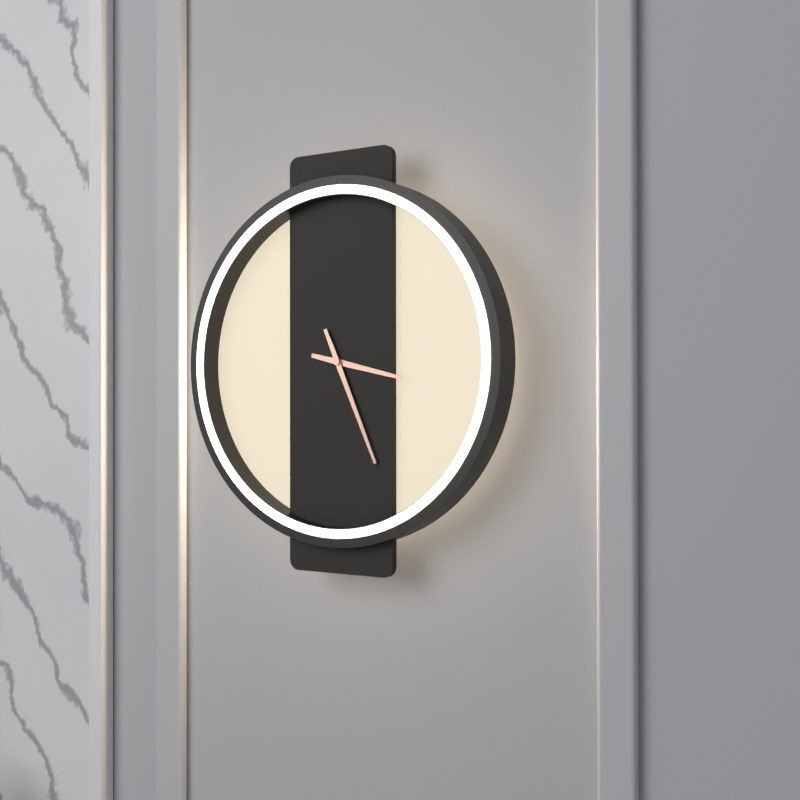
3:26
